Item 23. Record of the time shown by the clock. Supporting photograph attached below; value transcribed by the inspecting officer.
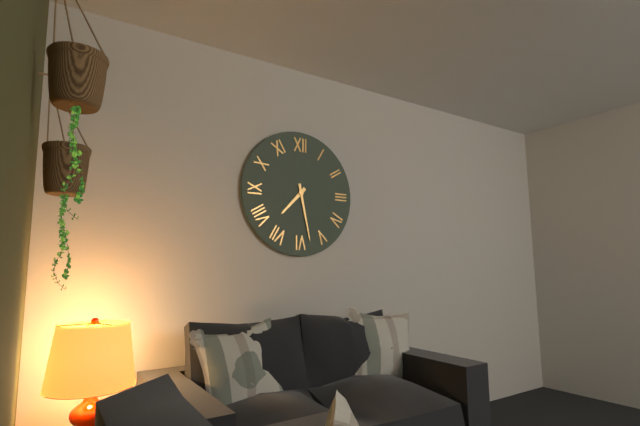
7:28
